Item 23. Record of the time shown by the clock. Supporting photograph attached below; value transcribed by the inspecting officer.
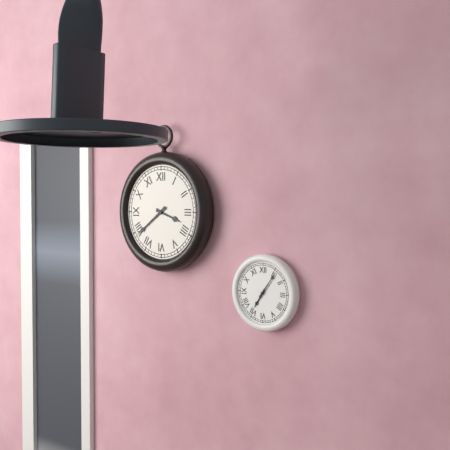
3:39
